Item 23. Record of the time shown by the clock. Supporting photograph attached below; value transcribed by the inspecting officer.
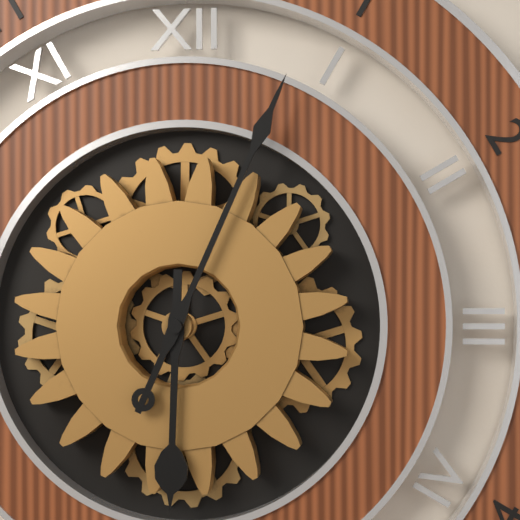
6:04
